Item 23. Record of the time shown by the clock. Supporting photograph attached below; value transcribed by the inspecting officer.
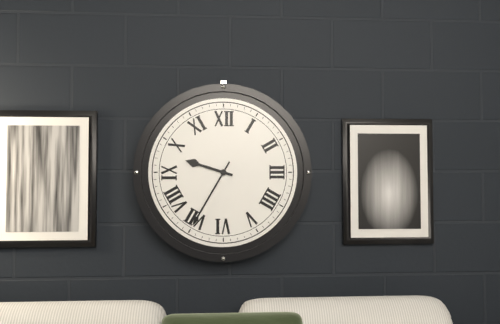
9:35
